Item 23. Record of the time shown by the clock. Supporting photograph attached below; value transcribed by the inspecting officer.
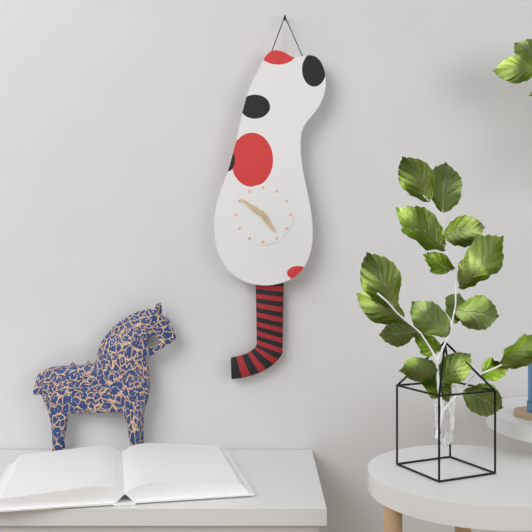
4:51
